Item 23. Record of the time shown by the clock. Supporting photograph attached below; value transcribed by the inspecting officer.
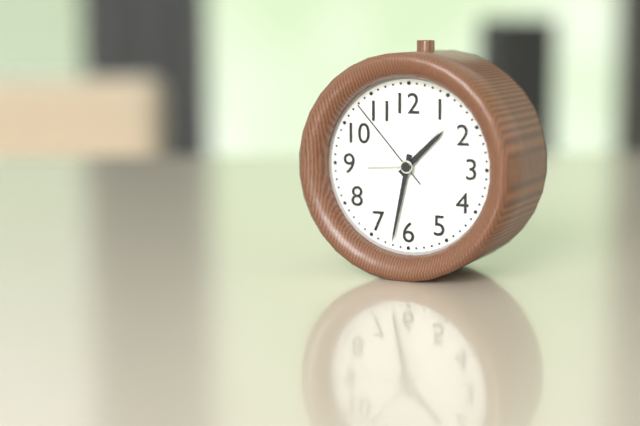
1:32:53
